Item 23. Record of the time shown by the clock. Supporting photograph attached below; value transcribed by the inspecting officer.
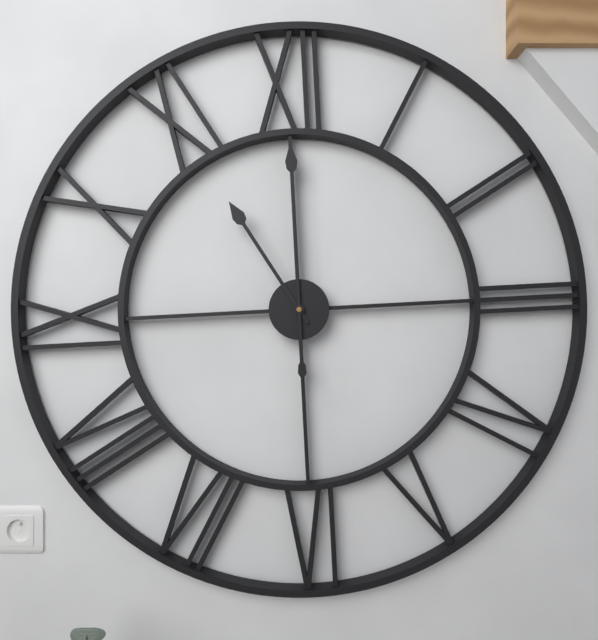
11:00
